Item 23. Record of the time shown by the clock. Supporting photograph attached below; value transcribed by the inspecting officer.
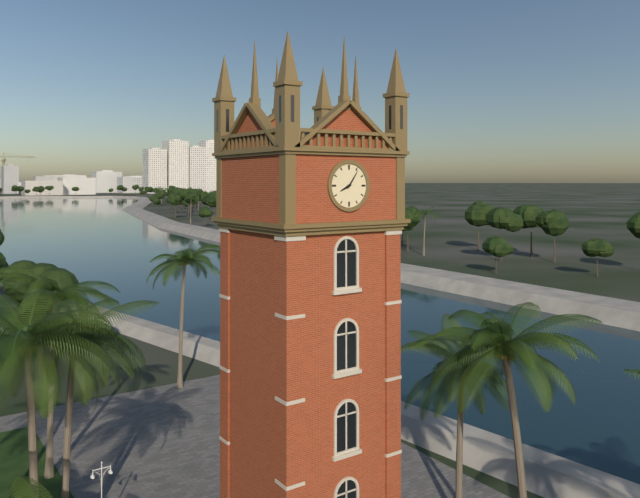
8:06
